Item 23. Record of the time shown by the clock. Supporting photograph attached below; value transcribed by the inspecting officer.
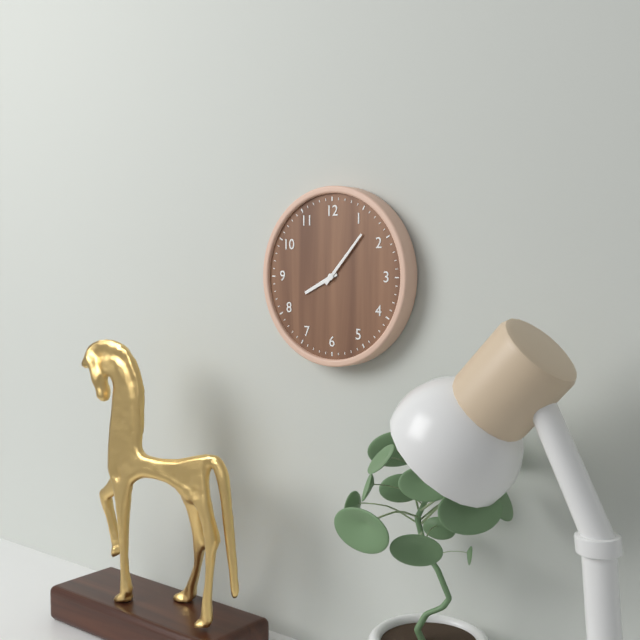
8:07
